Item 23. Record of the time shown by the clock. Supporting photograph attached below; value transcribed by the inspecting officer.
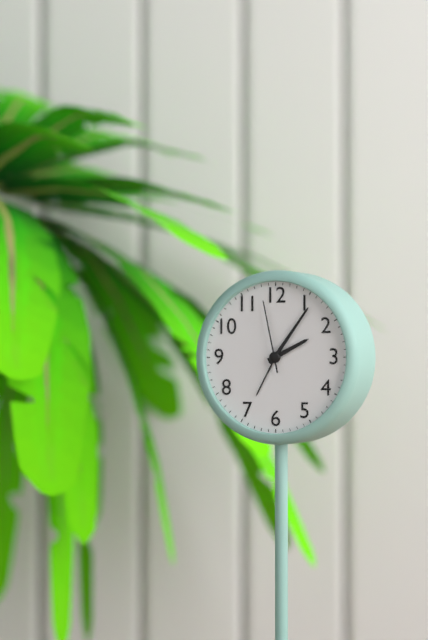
2:06:58
